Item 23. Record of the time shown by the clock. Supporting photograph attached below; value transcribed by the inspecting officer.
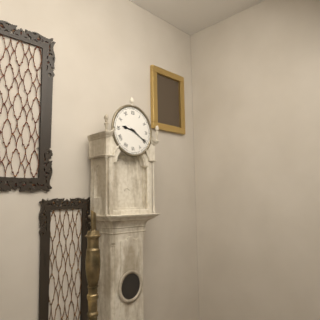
9:20
